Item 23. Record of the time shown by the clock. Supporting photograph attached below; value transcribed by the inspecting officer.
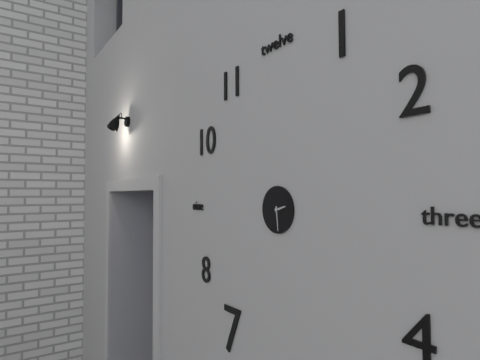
2:29
